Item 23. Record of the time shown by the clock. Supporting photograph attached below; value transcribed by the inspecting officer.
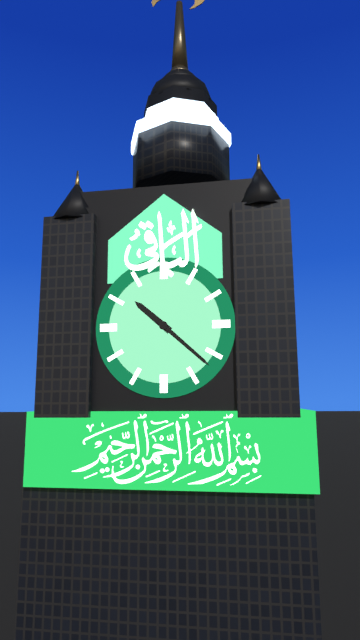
10:22
